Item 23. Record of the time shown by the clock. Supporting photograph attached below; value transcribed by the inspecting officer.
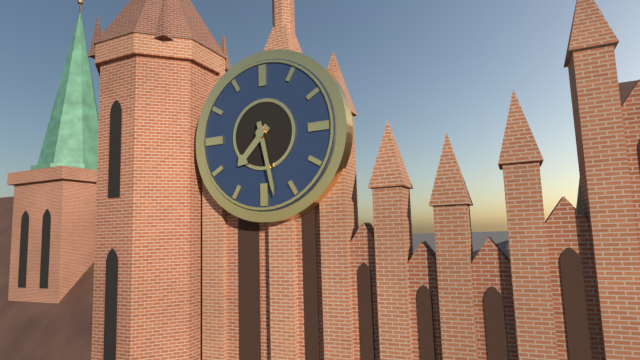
7:28
